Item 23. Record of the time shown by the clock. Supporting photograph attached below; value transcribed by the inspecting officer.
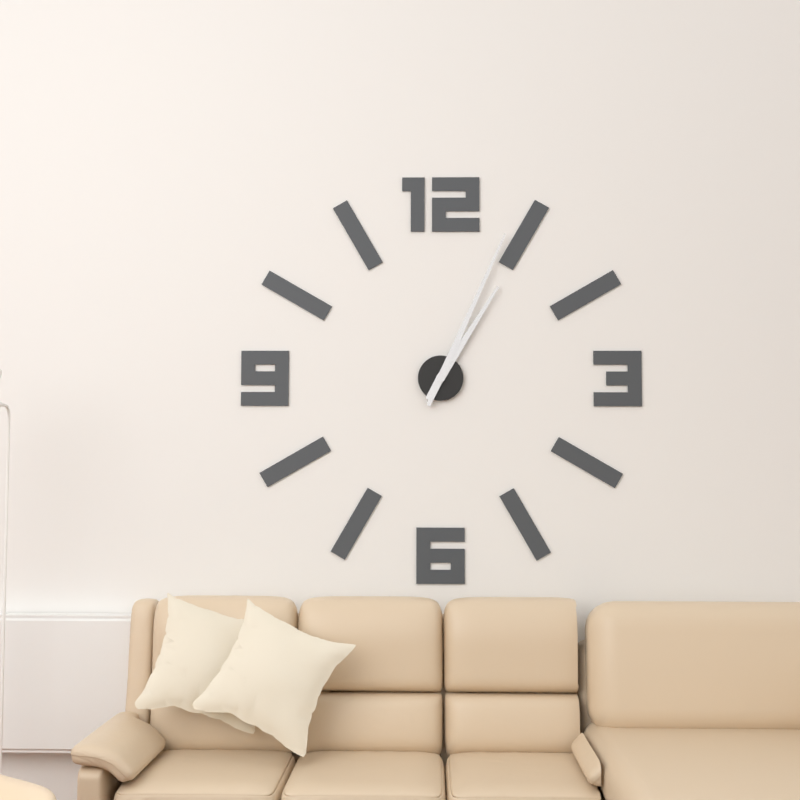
1:04
